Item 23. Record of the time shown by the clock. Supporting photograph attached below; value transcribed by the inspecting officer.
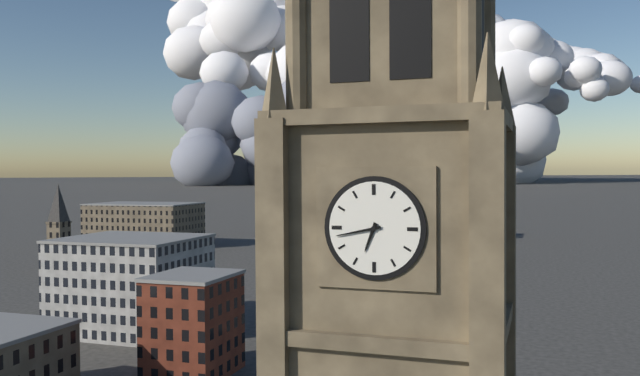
6:43
